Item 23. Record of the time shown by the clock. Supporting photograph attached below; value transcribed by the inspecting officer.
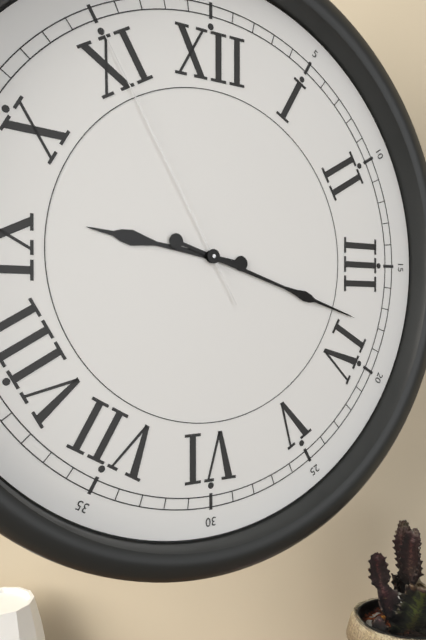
9:18:55
